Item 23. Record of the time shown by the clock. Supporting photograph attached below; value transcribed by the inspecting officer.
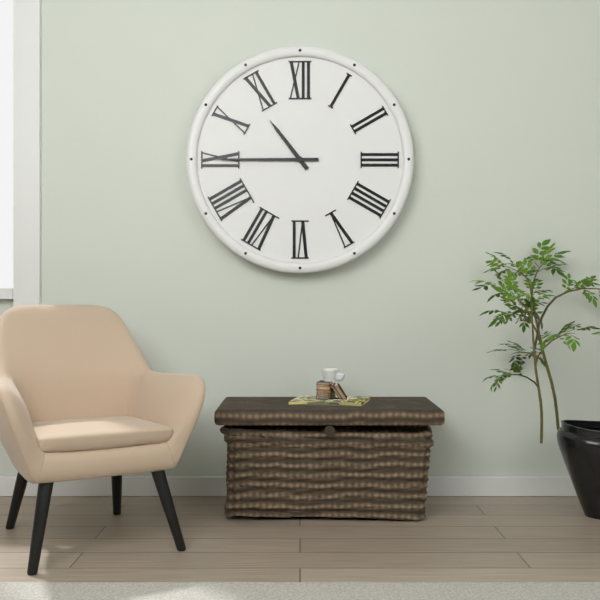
10:45
